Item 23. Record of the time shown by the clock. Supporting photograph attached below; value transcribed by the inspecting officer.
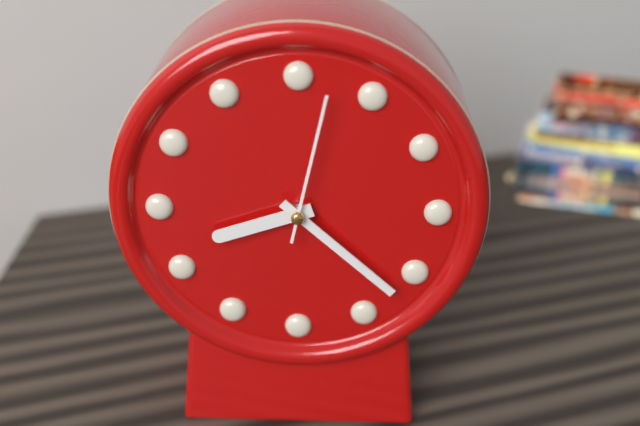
8:22:02
